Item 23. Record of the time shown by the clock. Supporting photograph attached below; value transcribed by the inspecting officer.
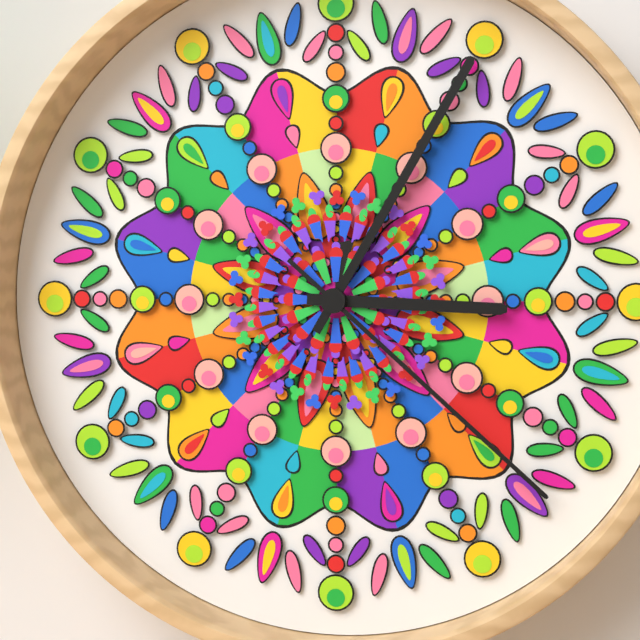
3:05:22
